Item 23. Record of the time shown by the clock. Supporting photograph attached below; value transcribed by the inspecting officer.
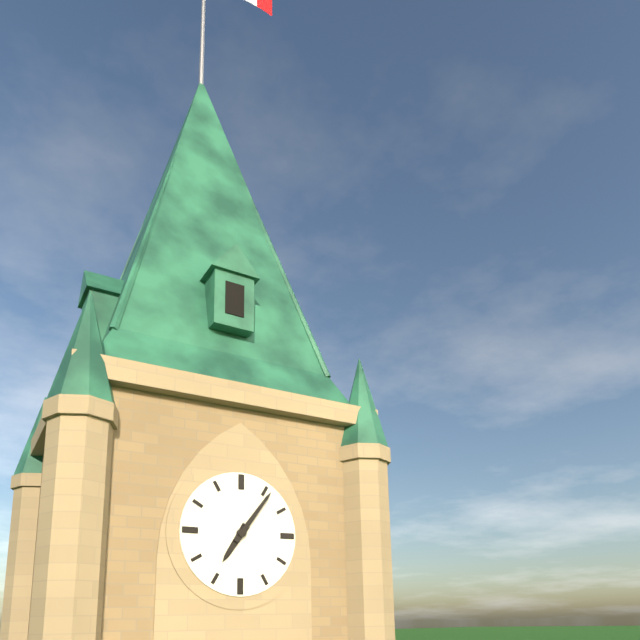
7:06
